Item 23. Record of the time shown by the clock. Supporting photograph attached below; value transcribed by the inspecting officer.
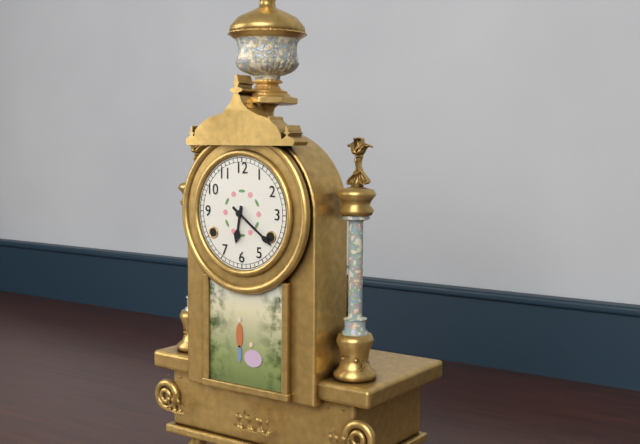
6:21
